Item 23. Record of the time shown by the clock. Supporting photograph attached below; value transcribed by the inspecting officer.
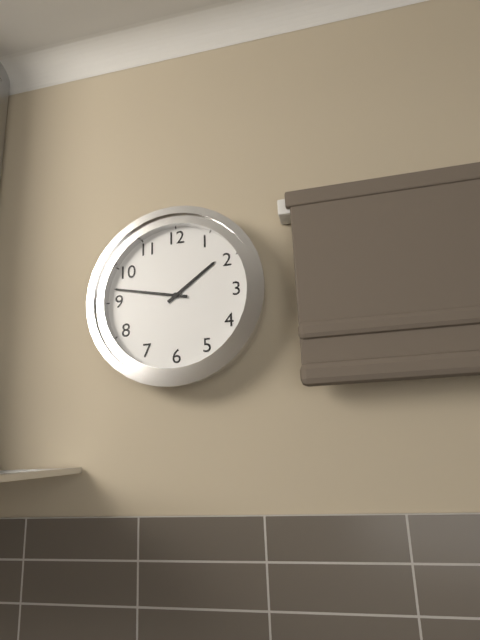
1:47
